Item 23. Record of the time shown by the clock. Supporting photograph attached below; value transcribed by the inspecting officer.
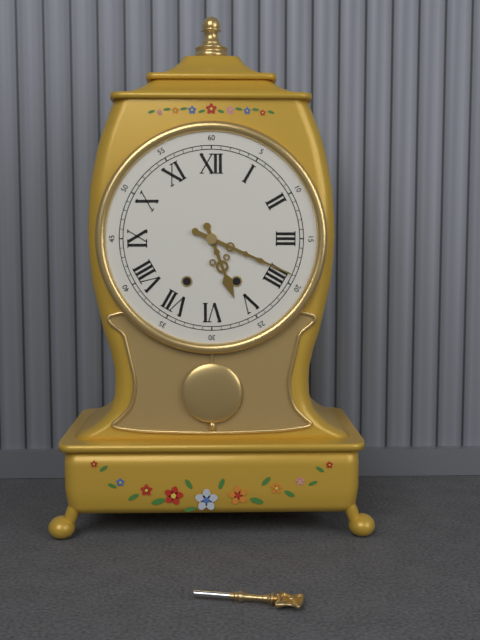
5:19
